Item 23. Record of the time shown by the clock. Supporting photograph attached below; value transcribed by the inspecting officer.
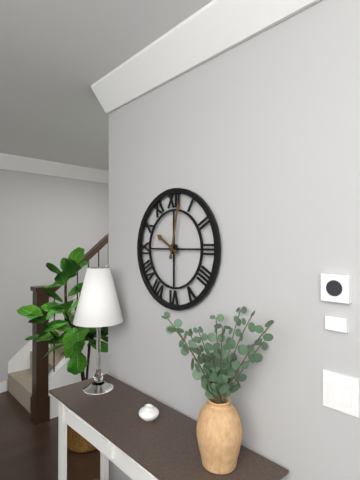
10:02
